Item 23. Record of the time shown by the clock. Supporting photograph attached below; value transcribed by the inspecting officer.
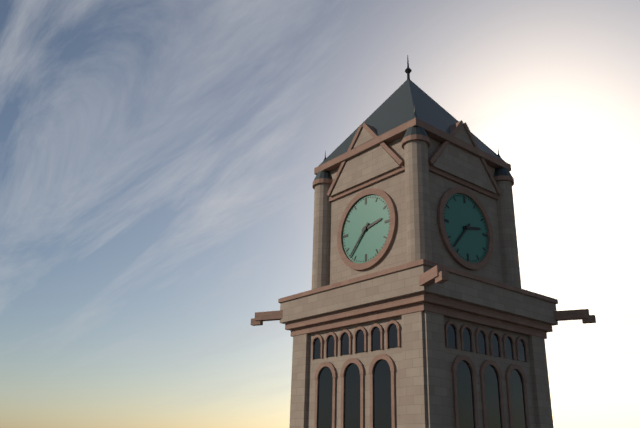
2:37
